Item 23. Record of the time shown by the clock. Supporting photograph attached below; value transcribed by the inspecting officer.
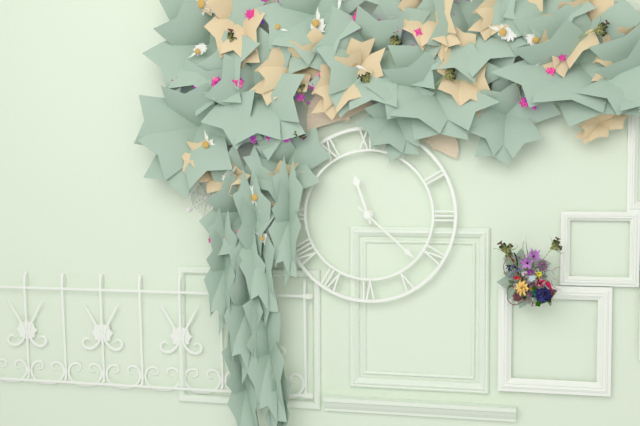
11:22
